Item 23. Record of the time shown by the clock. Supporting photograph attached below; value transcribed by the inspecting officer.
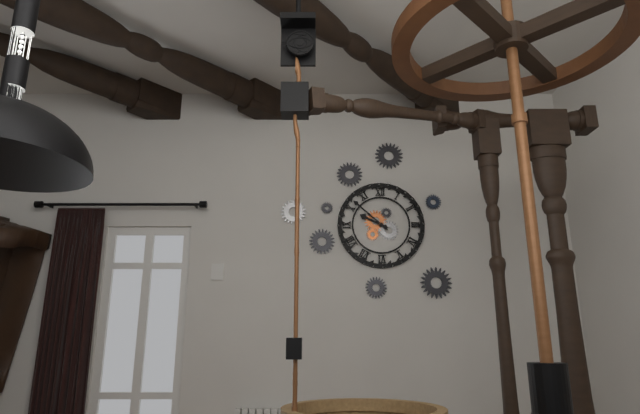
9:52
